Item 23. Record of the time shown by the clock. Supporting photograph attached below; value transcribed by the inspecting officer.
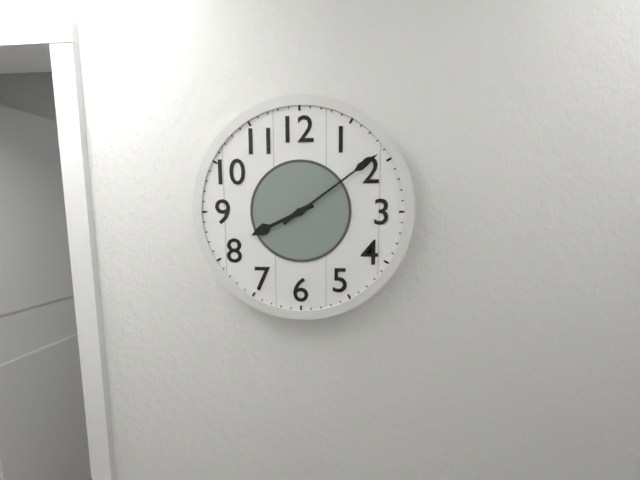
8:09
